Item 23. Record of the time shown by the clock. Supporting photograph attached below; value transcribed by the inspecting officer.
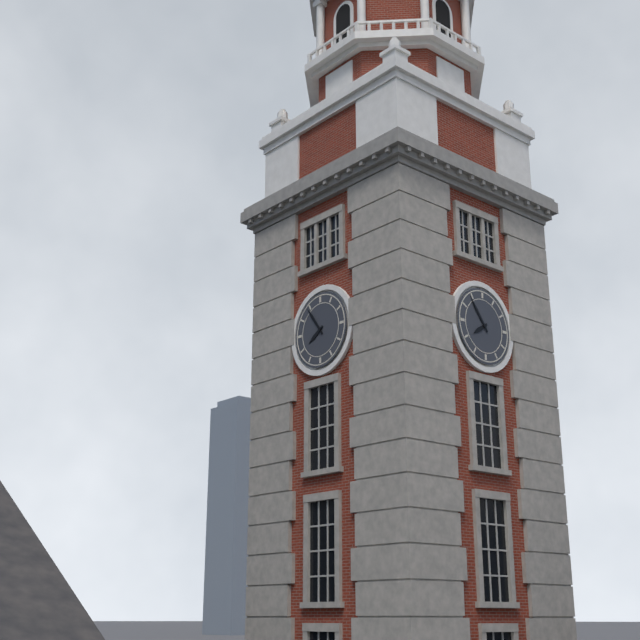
7:54
